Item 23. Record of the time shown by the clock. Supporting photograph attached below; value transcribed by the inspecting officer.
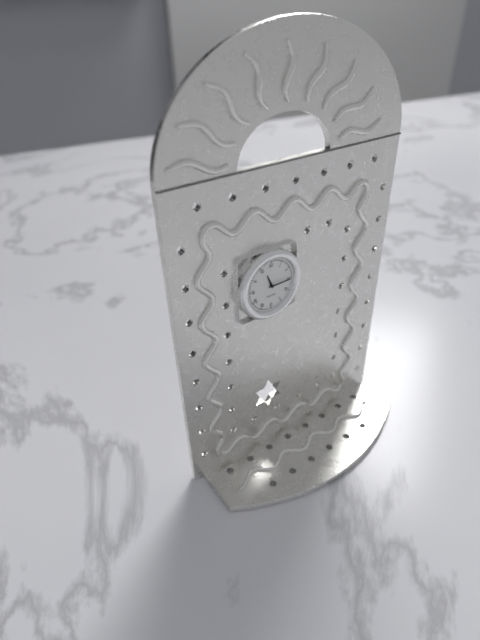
11:15
